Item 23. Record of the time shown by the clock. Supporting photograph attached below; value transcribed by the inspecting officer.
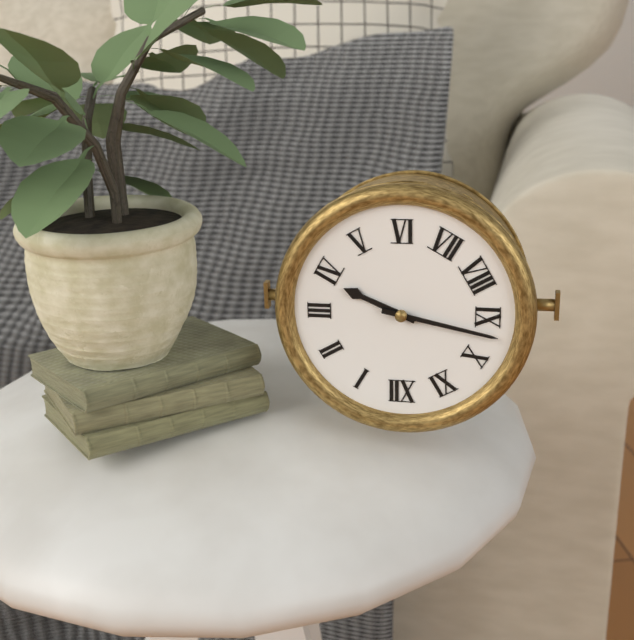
3:47
